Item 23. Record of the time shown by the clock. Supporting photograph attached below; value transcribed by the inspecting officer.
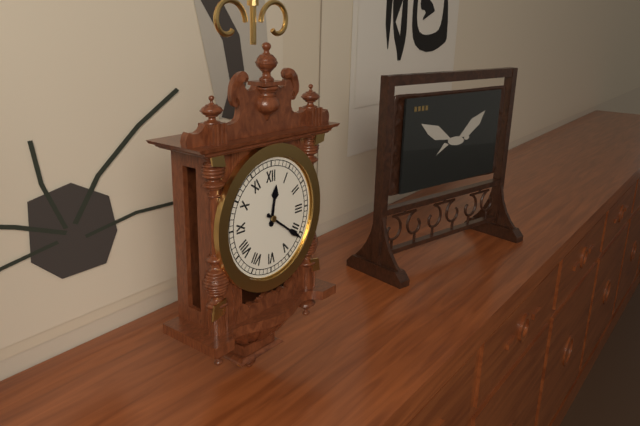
12:21
